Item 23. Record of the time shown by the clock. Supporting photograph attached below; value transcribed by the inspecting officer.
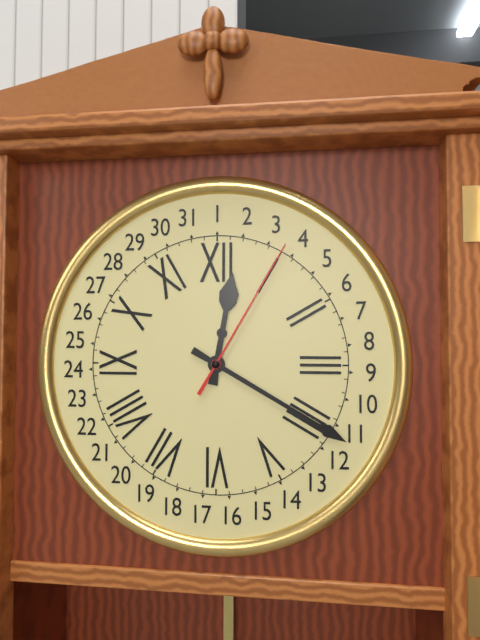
12:20:05
